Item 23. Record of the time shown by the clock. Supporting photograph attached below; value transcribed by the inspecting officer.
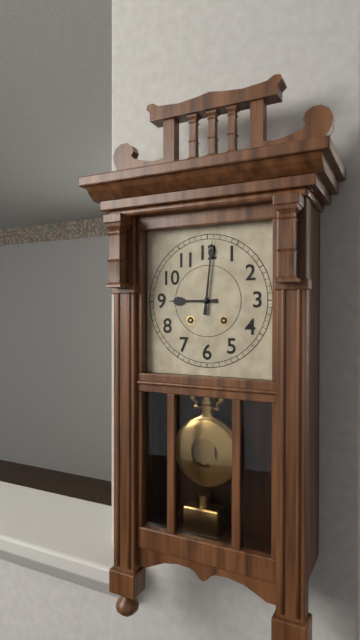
9:01
